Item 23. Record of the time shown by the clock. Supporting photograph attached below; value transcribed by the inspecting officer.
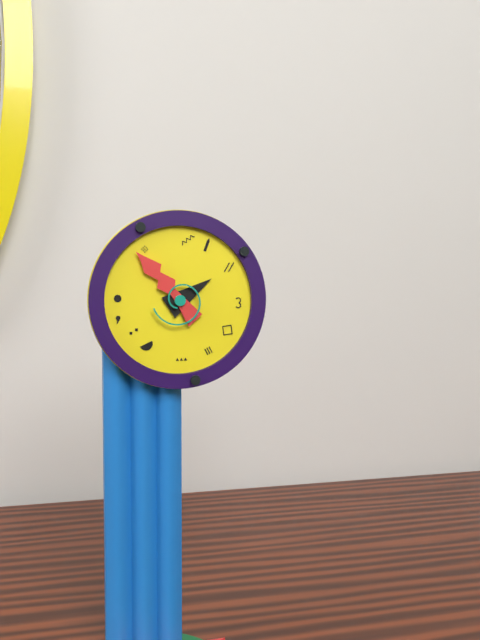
1:53
